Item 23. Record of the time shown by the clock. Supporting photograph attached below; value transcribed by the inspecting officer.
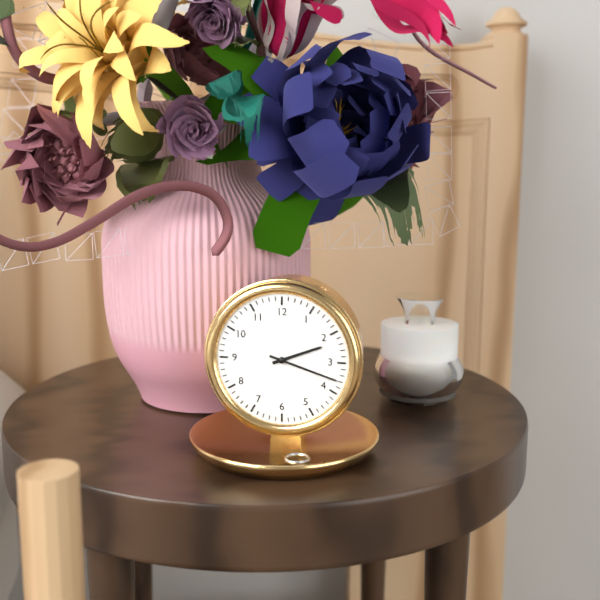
2:18
